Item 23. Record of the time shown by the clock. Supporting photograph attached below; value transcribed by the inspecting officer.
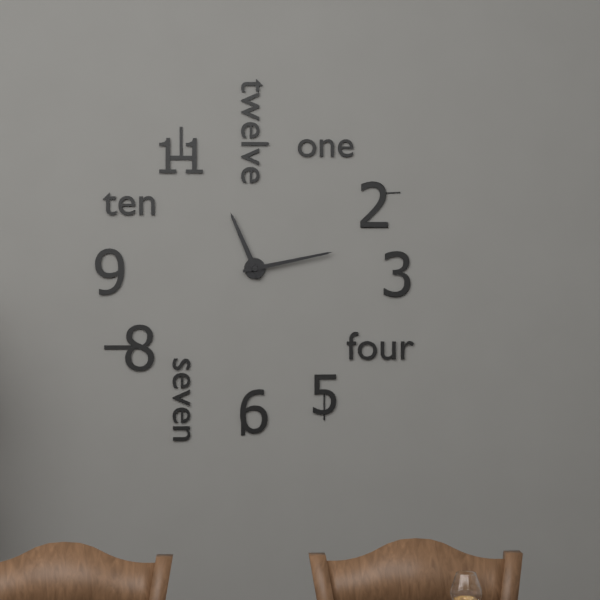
11:13
